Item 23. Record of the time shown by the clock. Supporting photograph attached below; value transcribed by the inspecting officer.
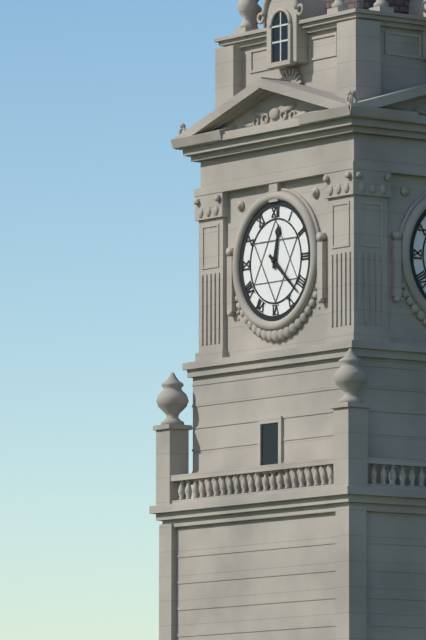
12:22
